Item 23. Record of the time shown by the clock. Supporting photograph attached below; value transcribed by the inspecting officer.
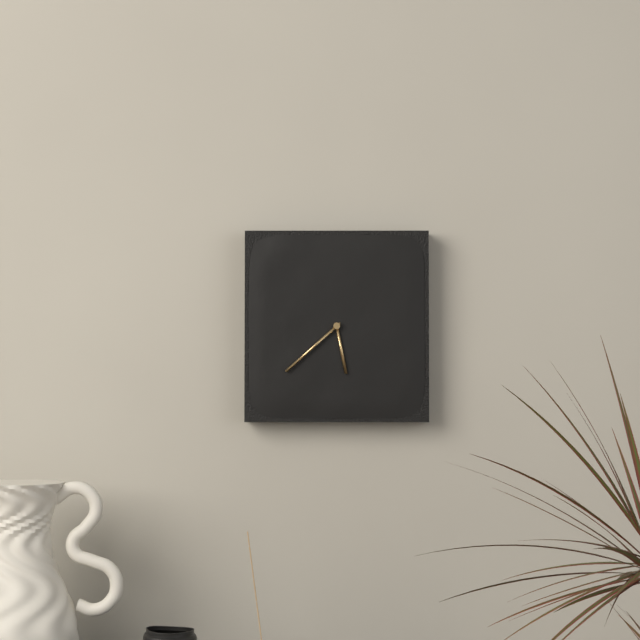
5:38
